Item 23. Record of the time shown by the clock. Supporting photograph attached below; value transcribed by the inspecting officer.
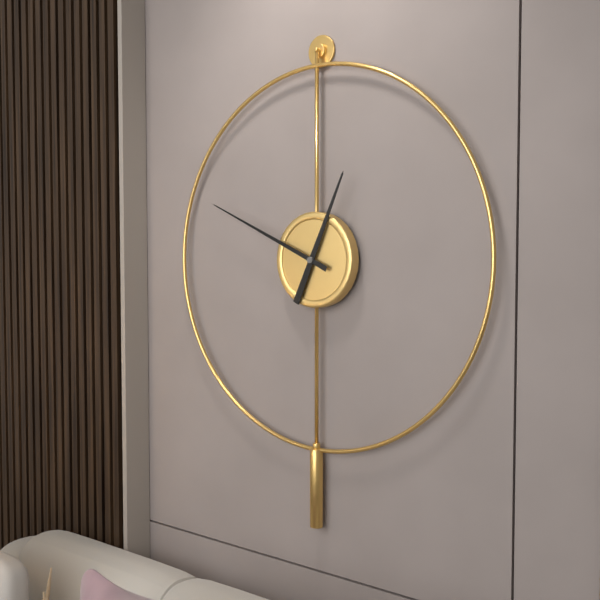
12:49
